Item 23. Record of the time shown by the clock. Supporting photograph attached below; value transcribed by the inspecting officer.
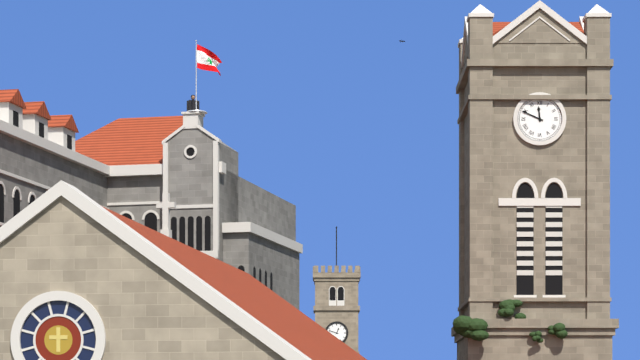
11:49
